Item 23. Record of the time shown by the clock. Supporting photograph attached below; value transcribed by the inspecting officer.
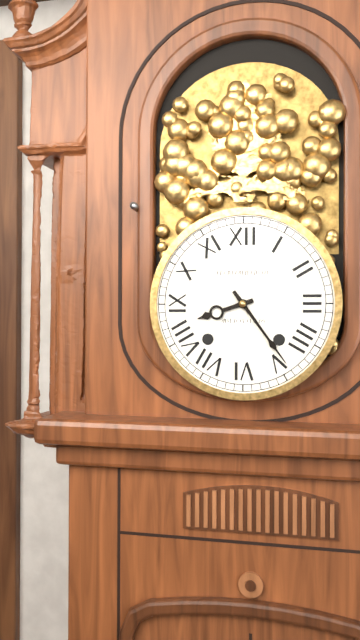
8:24
